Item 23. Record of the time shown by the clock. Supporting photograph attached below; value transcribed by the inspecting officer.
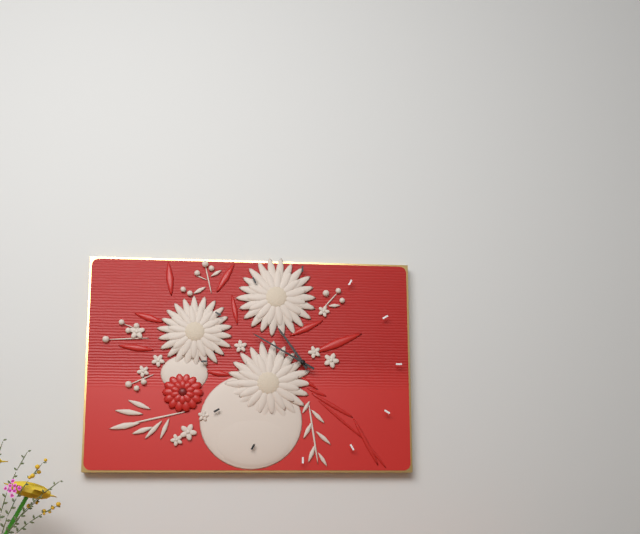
10:50
